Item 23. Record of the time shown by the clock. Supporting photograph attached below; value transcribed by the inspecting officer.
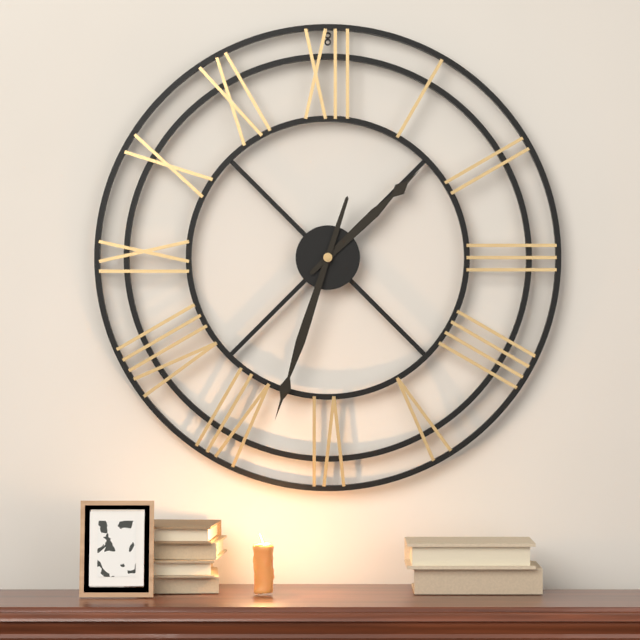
1:33
